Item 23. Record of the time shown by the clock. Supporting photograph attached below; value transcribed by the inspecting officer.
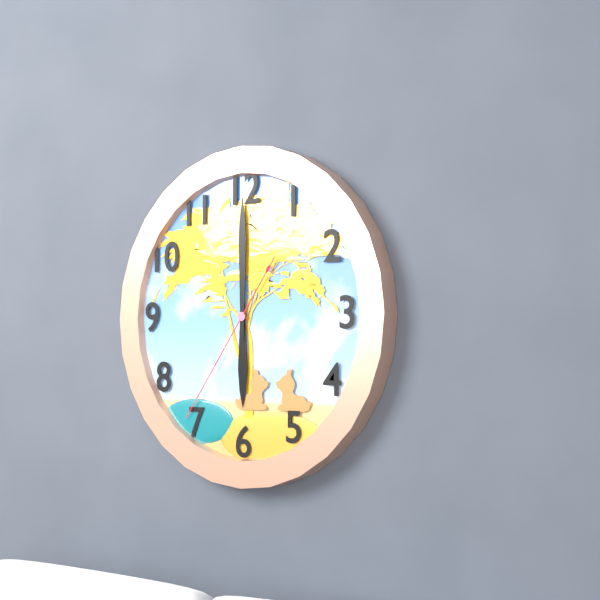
6:00:36
